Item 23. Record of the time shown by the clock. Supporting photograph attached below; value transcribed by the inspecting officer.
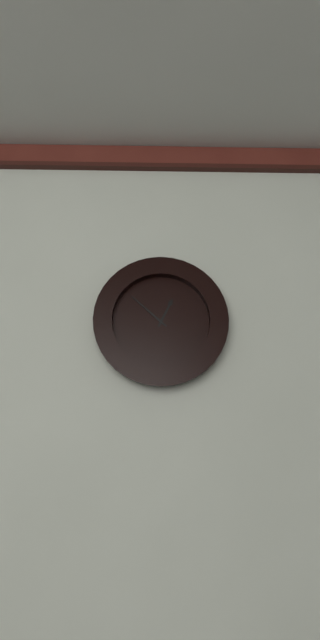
12:52
